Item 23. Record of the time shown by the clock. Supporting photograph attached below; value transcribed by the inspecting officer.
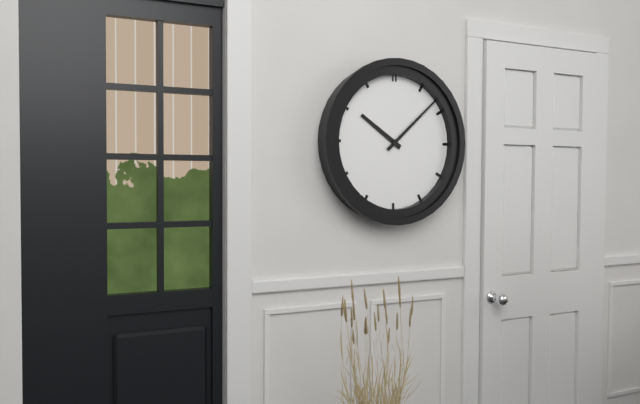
10:08
